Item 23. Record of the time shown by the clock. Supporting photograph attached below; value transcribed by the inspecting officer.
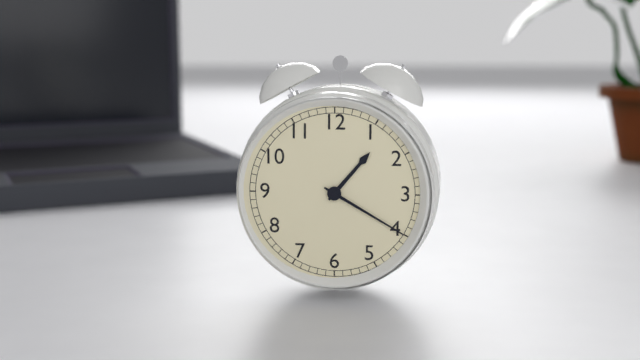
1:20
